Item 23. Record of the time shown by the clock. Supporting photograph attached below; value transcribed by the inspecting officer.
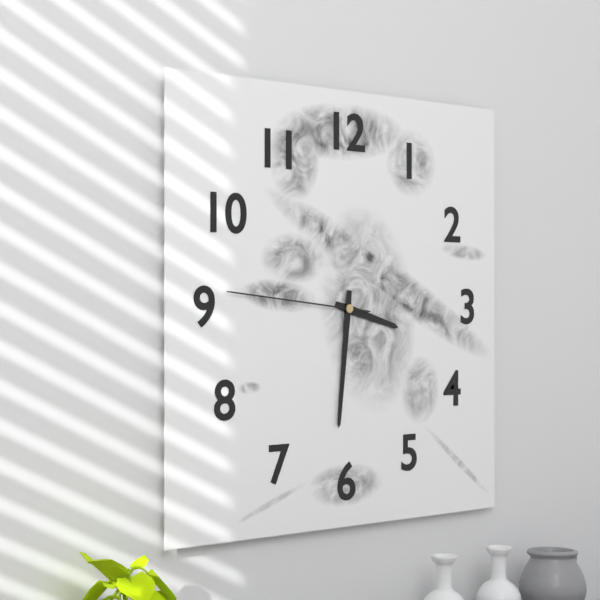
3:31:46
